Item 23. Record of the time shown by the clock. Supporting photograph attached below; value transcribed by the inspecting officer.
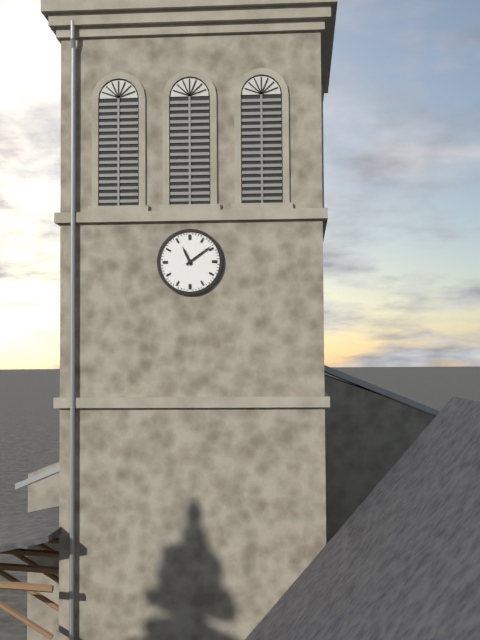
11:09
